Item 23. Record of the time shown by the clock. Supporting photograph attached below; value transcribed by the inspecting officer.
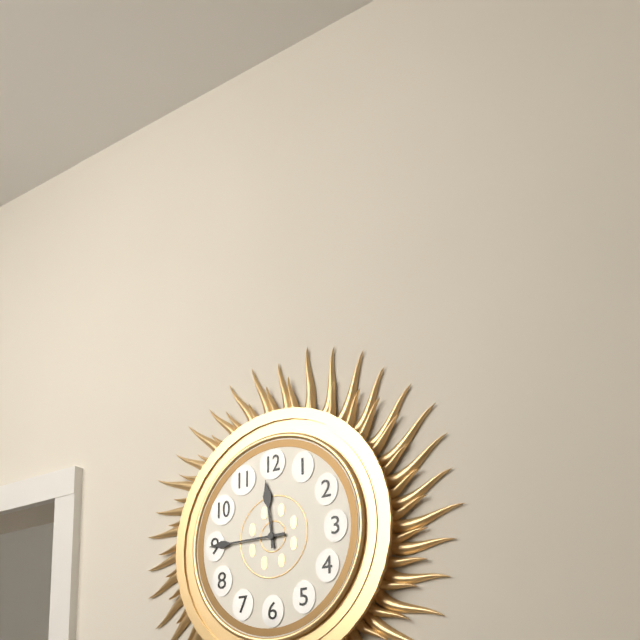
11:45
